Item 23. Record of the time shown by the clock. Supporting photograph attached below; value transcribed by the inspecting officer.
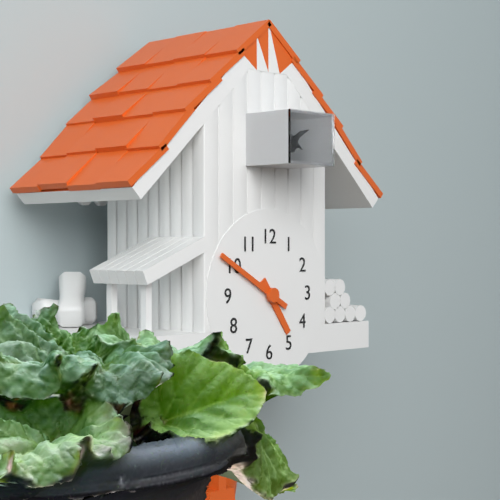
4:50
